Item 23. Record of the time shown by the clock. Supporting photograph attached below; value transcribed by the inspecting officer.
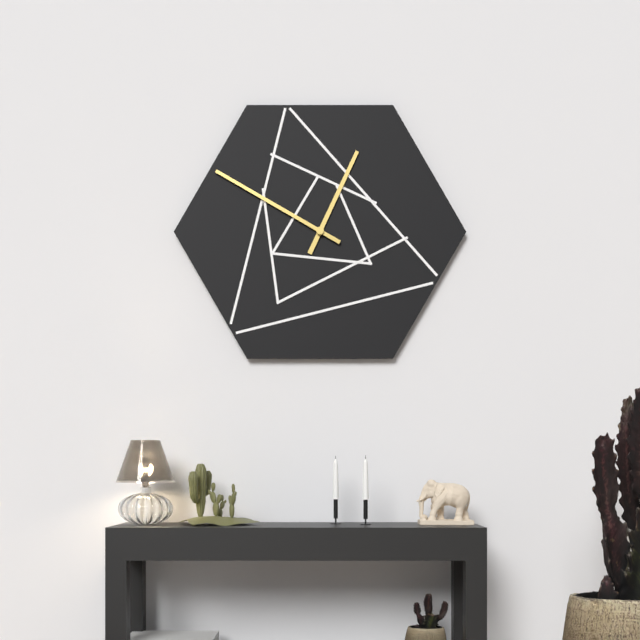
12:50
